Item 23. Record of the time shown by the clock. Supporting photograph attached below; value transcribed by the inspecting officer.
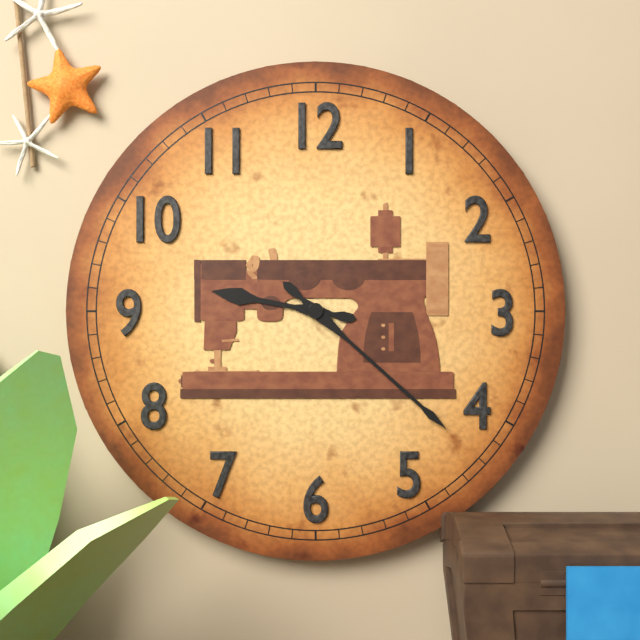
9:22
